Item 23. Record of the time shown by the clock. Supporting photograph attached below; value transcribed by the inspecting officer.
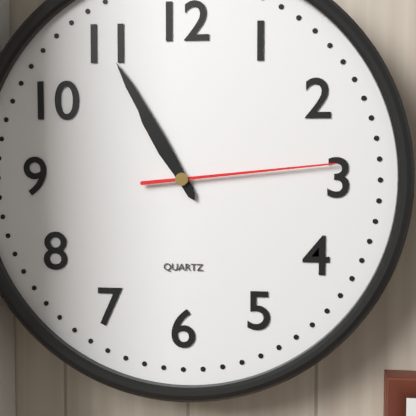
10:55:14
